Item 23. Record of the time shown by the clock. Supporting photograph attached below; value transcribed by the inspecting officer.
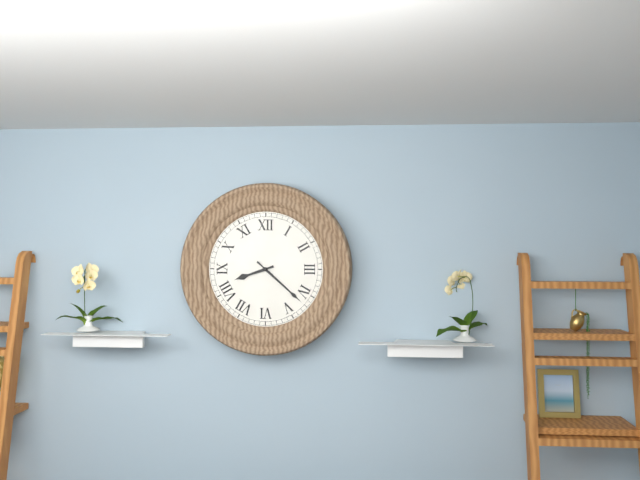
8:22
